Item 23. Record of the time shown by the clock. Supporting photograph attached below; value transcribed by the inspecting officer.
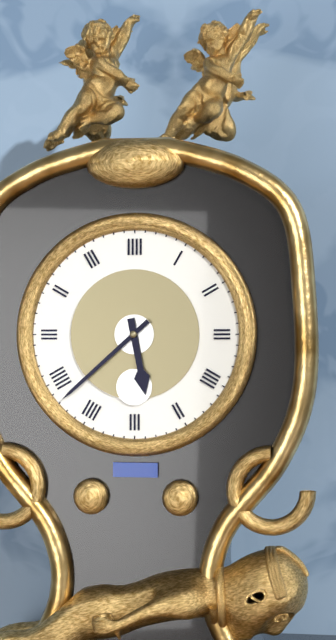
5:38
